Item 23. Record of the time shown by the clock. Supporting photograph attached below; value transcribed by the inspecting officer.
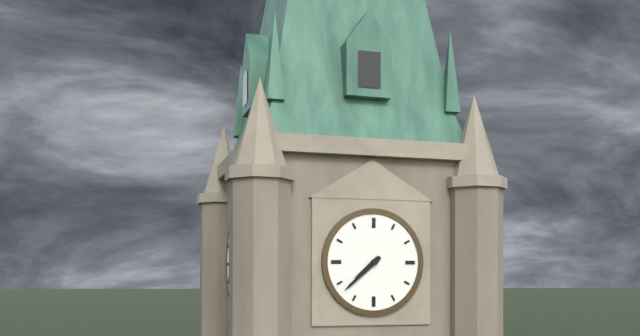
7:38
